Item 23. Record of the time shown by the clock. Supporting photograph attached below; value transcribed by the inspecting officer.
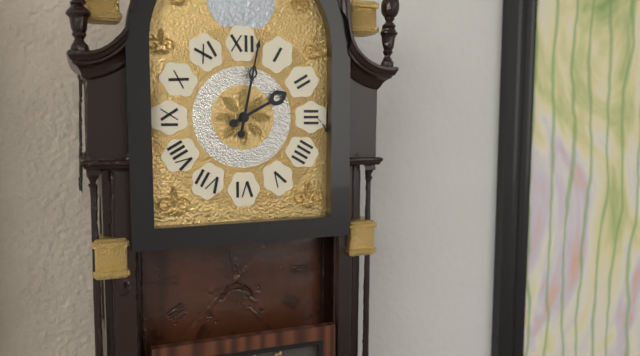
2:02
